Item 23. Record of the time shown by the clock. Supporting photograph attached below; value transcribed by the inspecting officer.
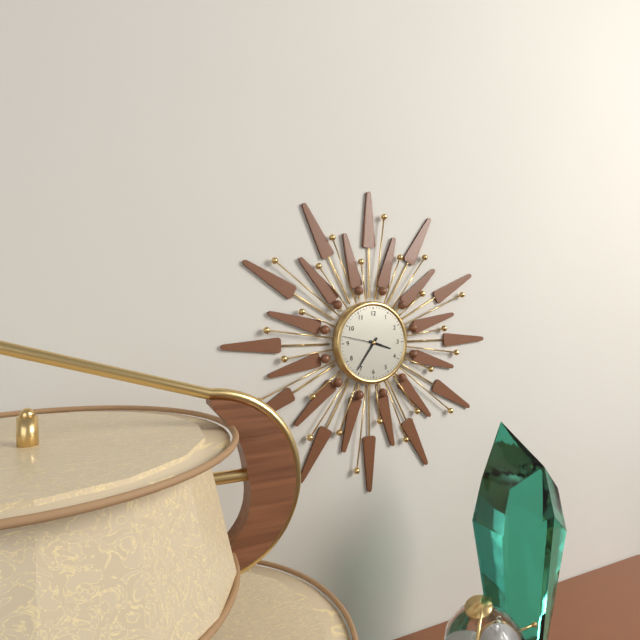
3:36
